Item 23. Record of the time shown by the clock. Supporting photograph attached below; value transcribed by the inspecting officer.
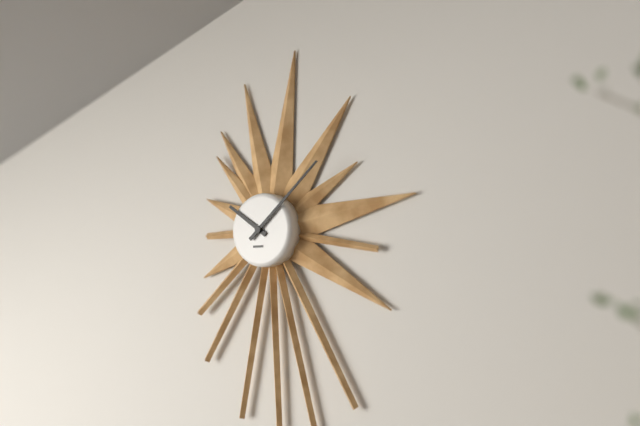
10:08
